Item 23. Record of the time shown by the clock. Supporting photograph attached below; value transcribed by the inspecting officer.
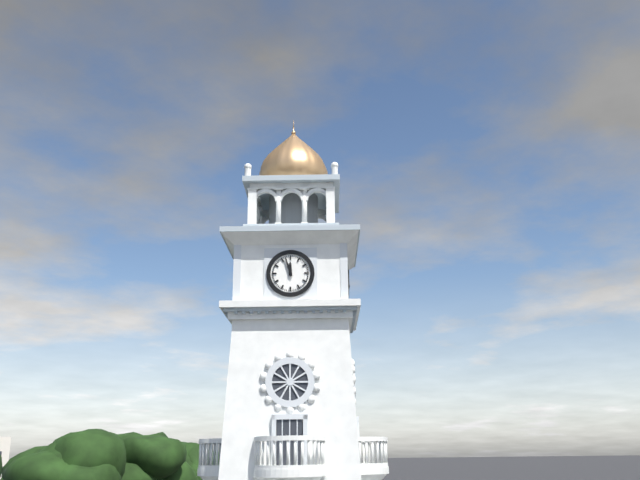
11:57
